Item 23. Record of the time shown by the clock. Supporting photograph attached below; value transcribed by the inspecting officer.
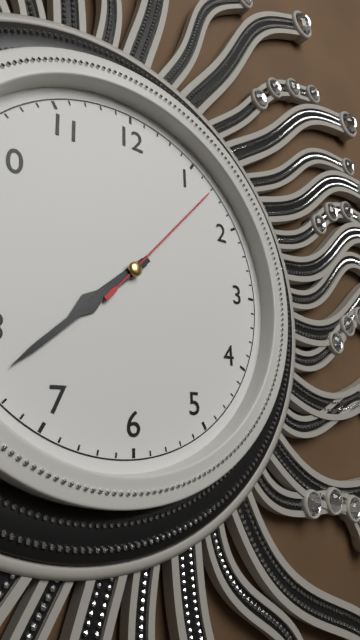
7:38:07
